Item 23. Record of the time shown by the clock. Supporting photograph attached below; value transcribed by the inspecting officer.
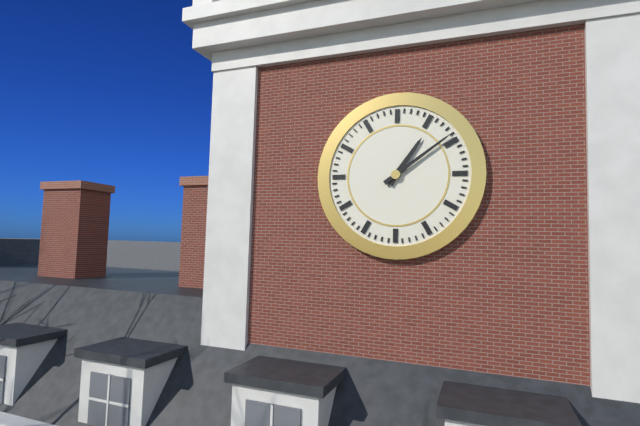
1:09
